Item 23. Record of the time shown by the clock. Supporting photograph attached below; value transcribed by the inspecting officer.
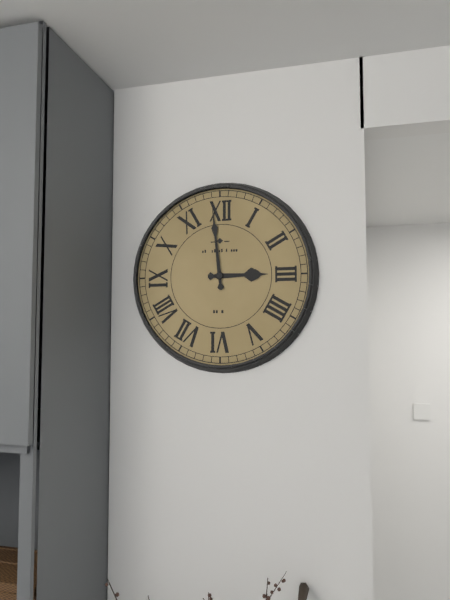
2:59
